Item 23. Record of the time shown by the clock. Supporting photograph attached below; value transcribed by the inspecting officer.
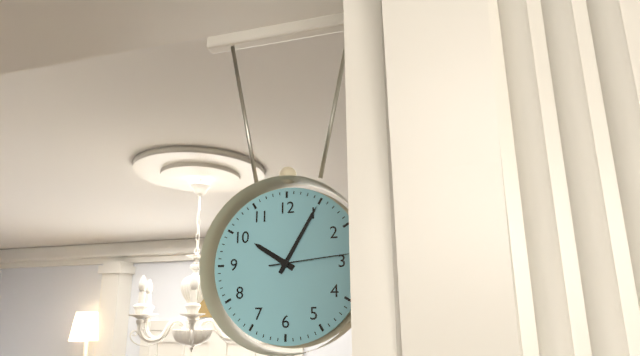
10:05:14
